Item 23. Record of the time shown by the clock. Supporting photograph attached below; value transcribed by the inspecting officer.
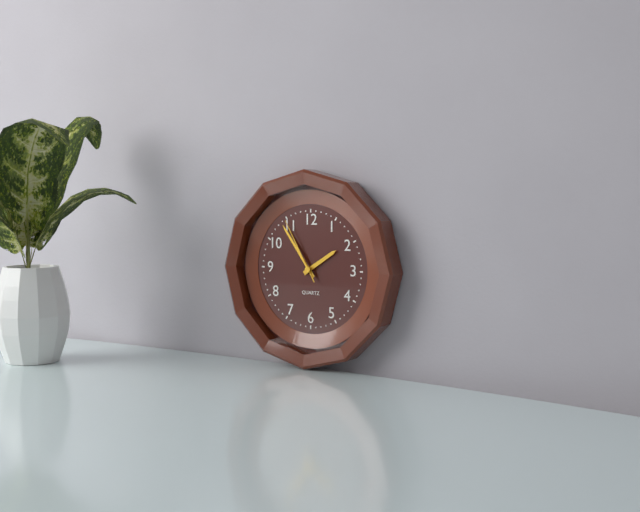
1:54:55
